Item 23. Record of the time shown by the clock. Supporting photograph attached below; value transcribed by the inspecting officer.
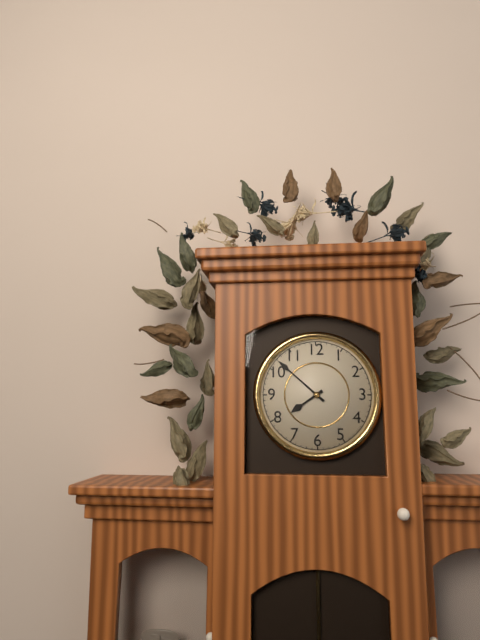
7:52
